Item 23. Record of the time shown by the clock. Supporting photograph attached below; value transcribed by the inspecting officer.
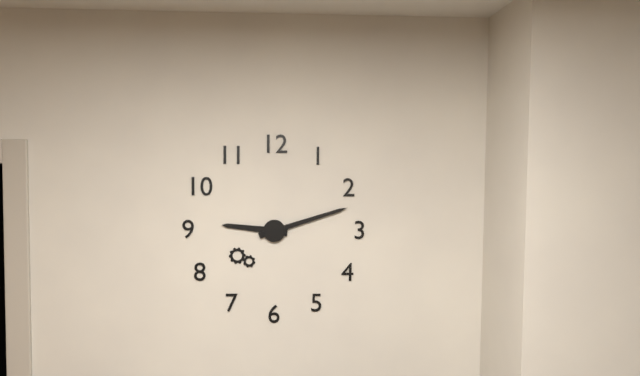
9:12
